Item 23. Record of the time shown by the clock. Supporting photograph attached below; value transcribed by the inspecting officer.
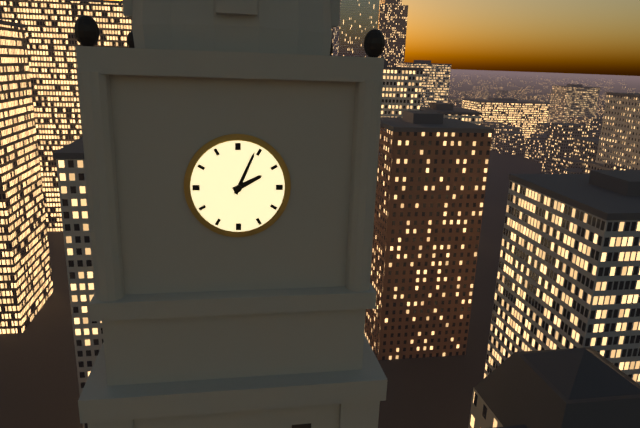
2:04
